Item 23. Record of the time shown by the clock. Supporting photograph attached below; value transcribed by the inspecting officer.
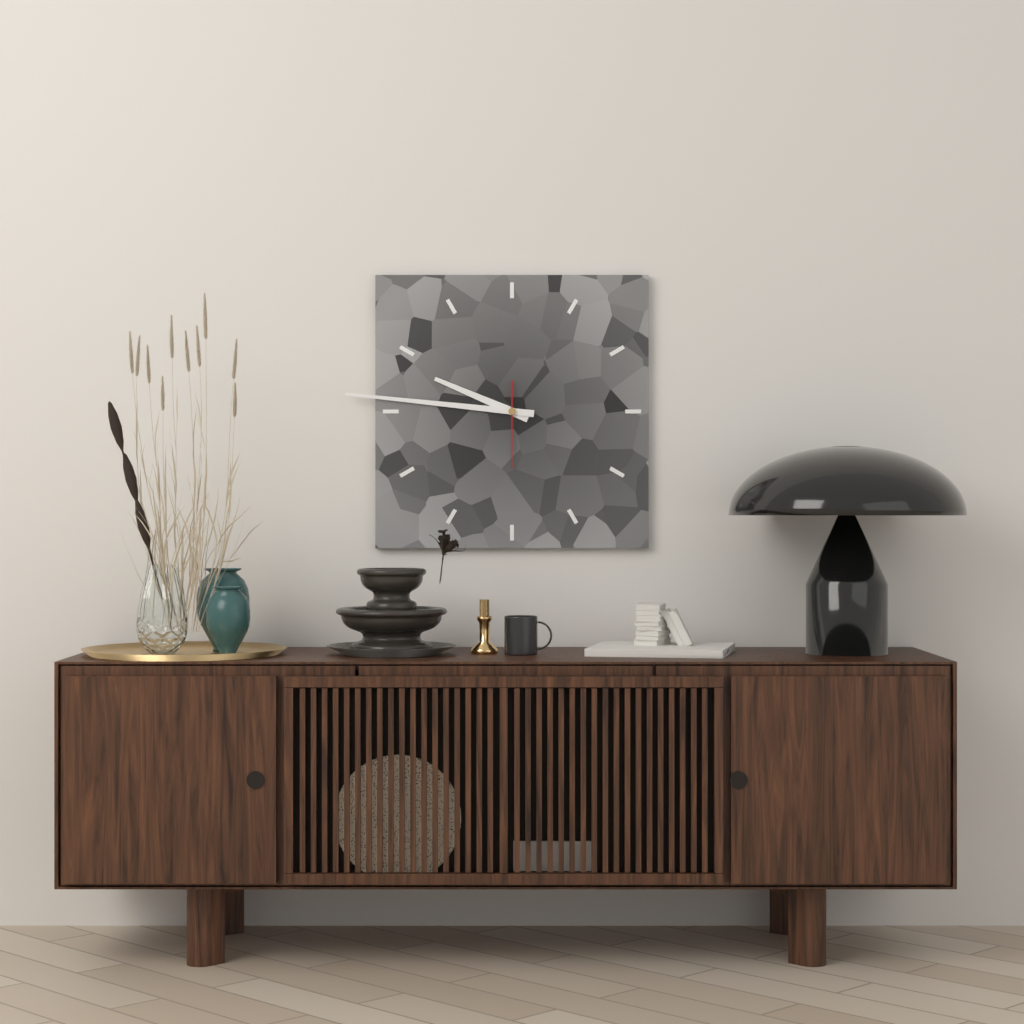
9:46:30
